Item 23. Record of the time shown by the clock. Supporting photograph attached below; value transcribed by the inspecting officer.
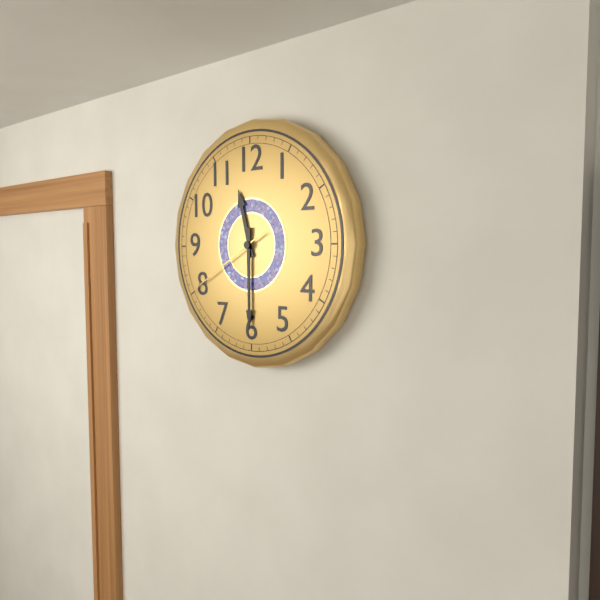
11:30:40
